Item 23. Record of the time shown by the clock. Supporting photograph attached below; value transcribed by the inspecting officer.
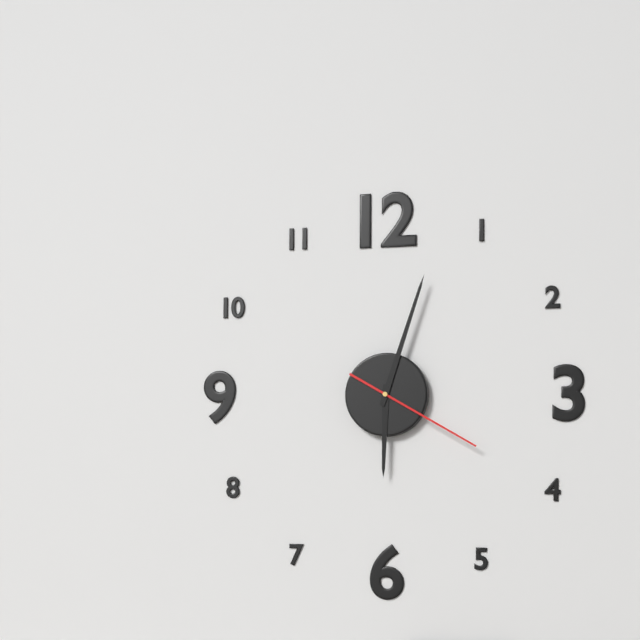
6:03:20
